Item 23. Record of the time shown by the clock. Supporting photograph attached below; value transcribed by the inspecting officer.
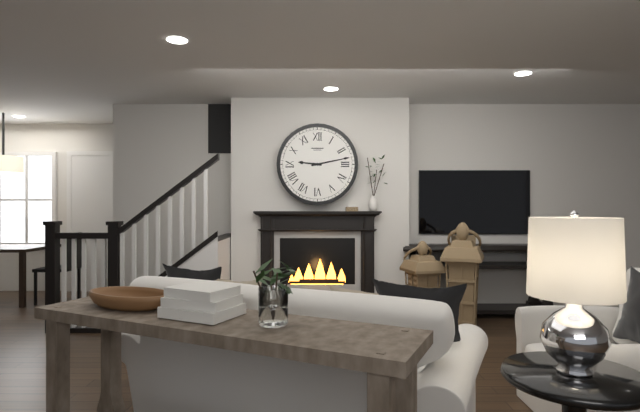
9:13
